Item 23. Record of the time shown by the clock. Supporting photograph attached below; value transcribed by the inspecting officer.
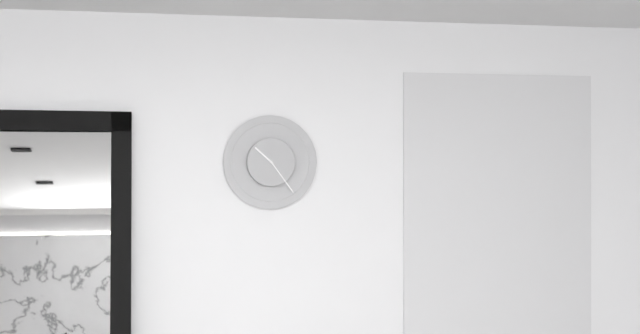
10:24
